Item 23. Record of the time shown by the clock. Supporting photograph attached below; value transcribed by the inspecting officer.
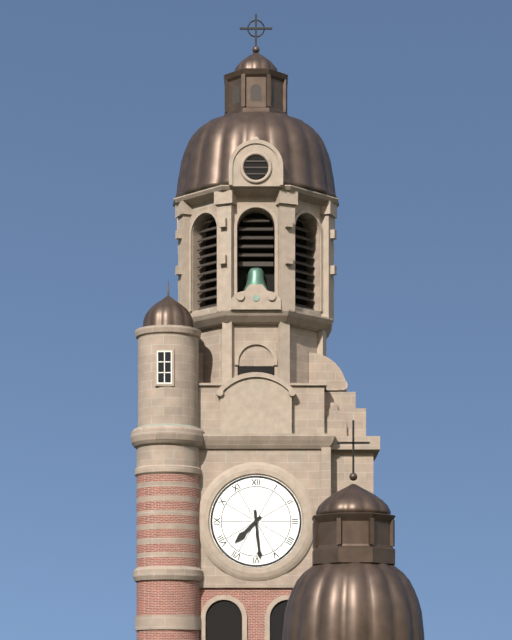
7:29
